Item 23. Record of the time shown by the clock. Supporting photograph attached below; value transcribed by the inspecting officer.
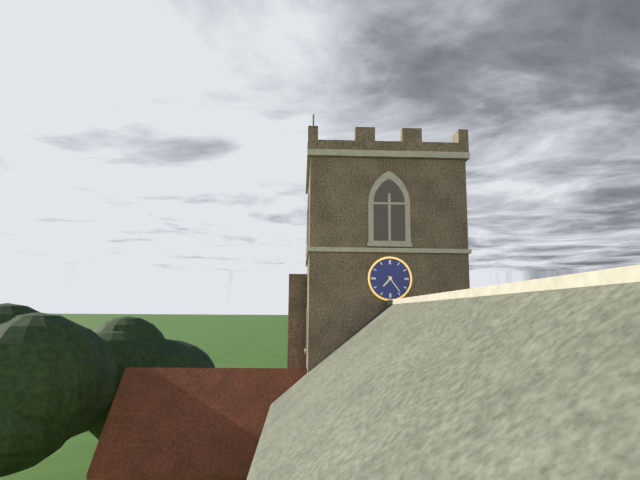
7:24
